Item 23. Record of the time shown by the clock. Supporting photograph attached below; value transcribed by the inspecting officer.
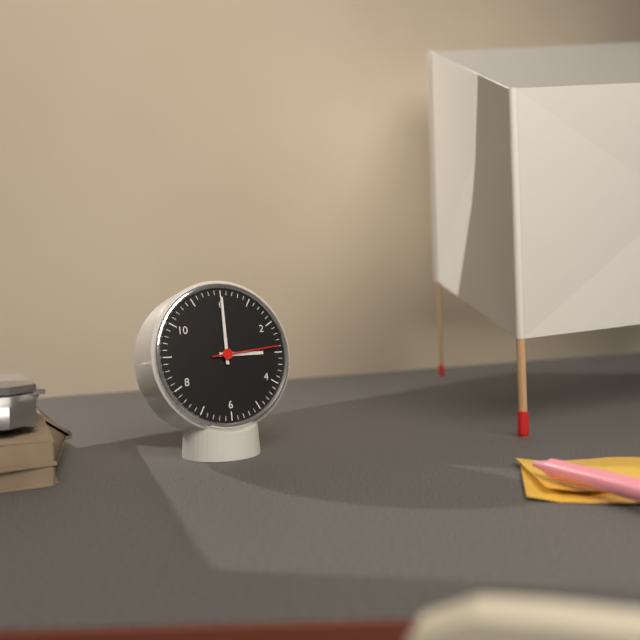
3:00:14
